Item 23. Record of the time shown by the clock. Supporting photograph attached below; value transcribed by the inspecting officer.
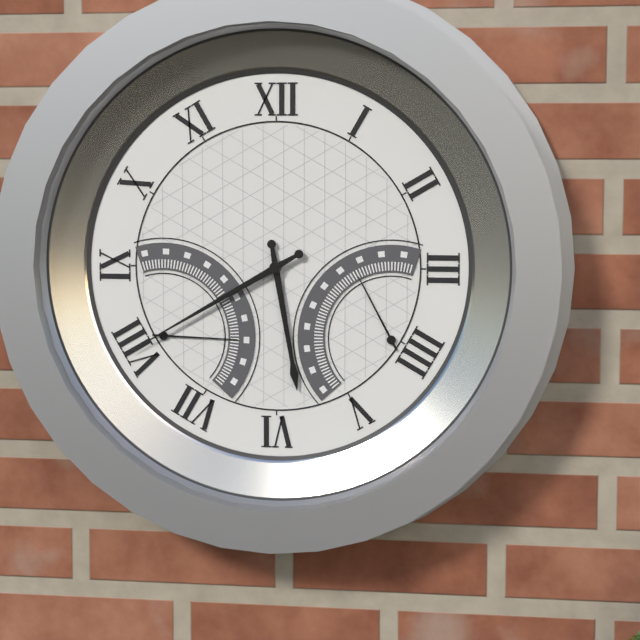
5:40
